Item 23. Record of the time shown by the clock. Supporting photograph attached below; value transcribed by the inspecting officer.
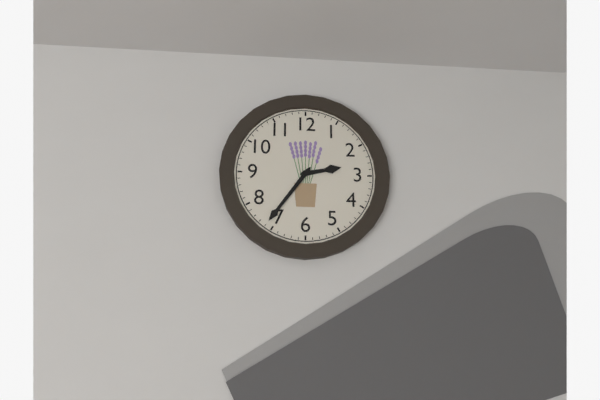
2:36
